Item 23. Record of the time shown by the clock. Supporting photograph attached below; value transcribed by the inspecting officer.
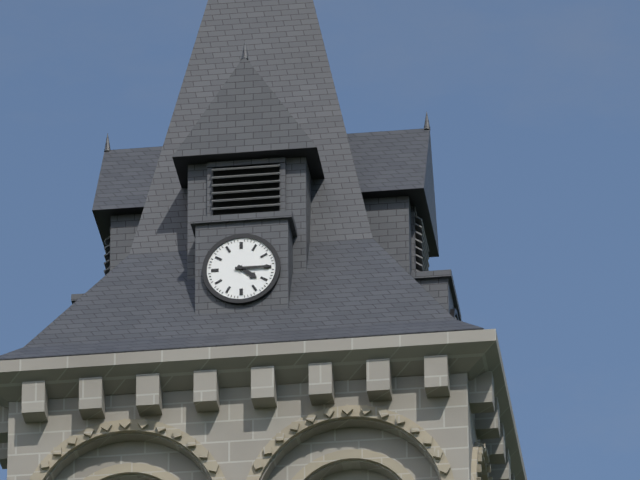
4:15
